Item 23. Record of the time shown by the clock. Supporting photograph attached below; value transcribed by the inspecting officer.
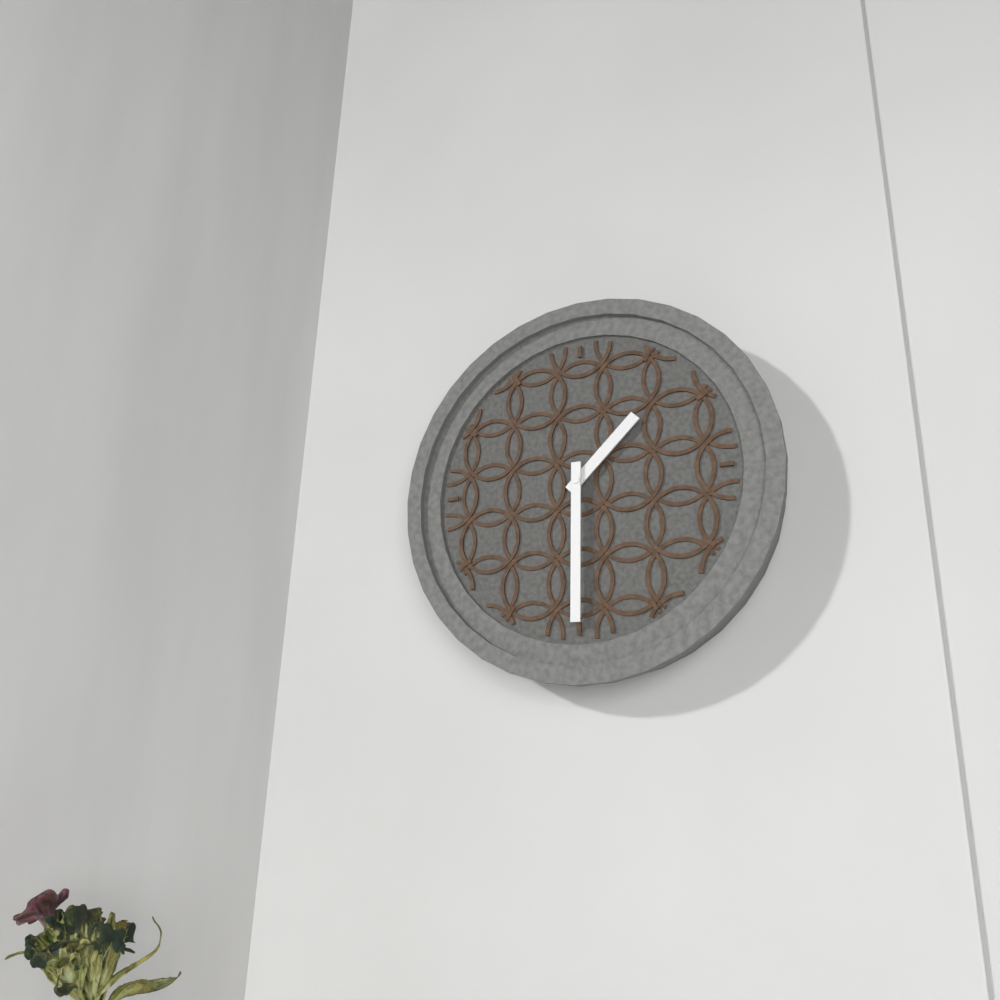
1:30
